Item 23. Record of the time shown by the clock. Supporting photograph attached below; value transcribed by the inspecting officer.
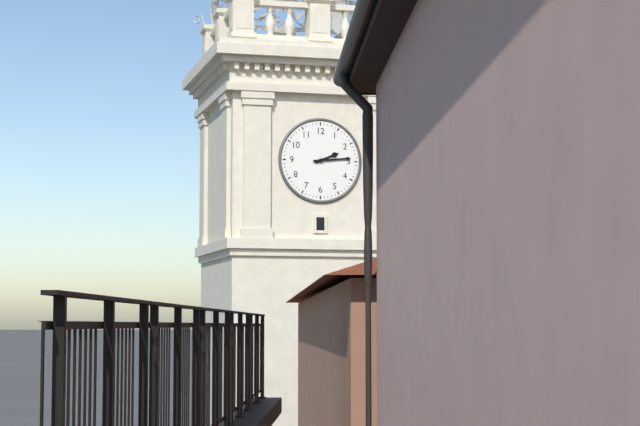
2:14
